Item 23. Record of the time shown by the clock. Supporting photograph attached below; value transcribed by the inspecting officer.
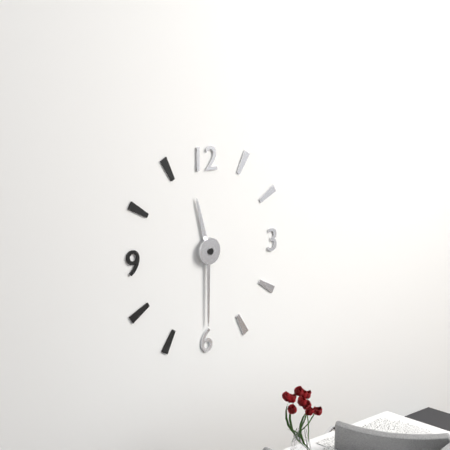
11:30
